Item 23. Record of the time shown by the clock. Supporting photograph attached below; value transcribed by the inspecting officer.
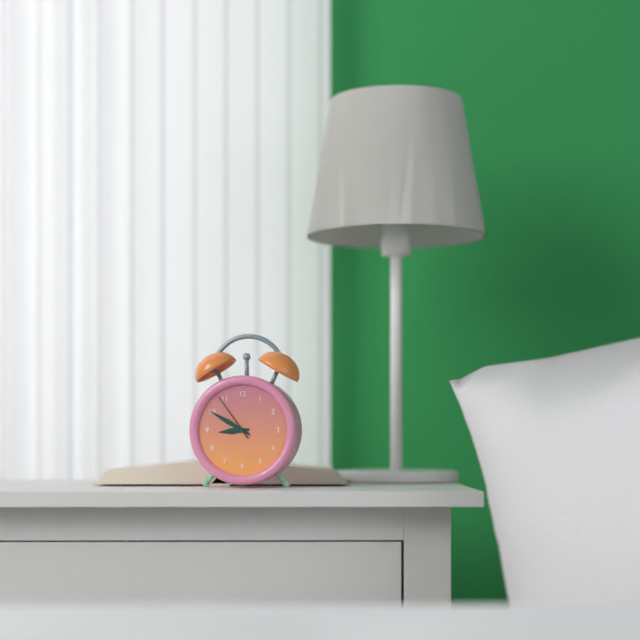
8:50:54
